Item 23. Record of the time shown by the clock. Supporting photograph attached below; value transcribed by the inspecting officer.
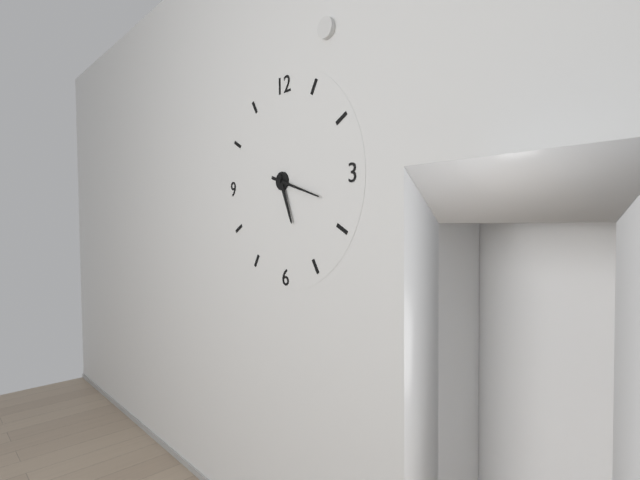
5:18
